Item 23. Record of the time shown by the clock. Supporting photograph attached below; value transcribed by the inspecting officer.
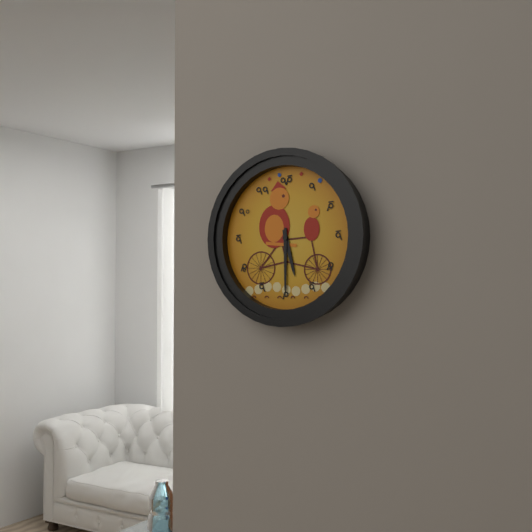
5:30
